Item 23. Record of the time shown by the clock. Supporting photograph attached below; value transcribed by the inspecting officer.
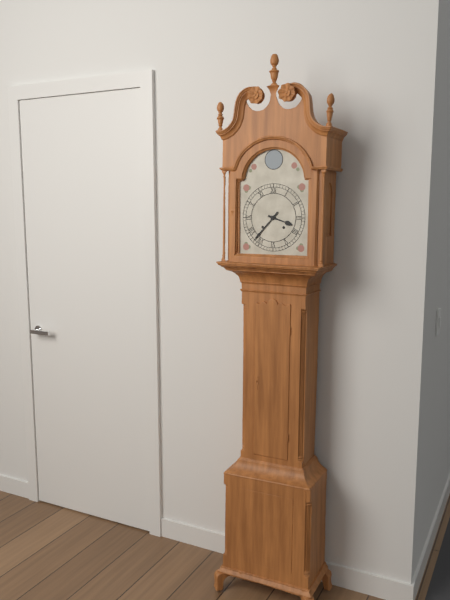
3:37
